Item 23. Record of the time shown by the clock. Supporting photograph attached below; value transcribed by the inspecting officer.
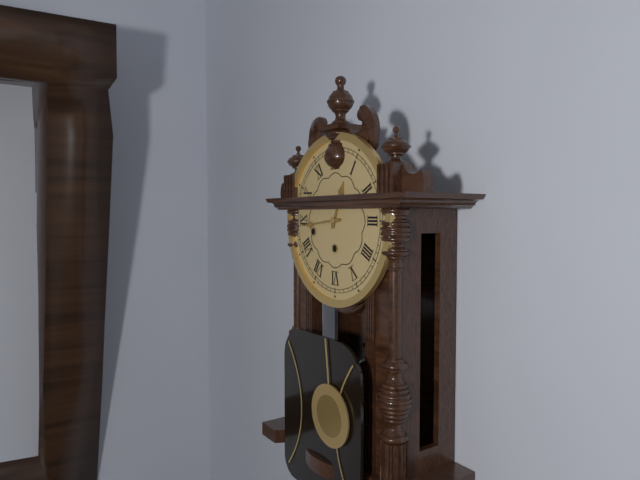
12:44
